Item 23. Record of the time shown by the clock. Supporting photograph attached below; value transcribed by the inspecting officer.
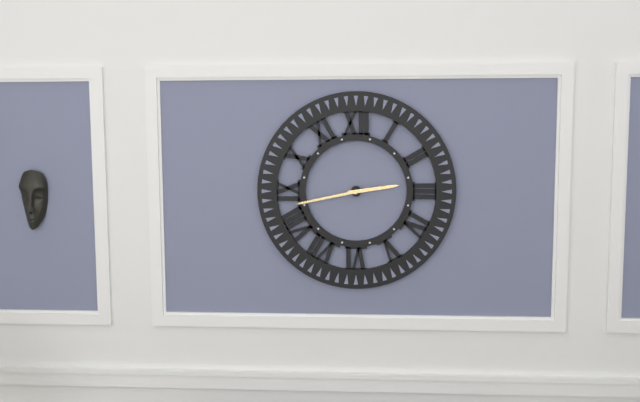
2:43
